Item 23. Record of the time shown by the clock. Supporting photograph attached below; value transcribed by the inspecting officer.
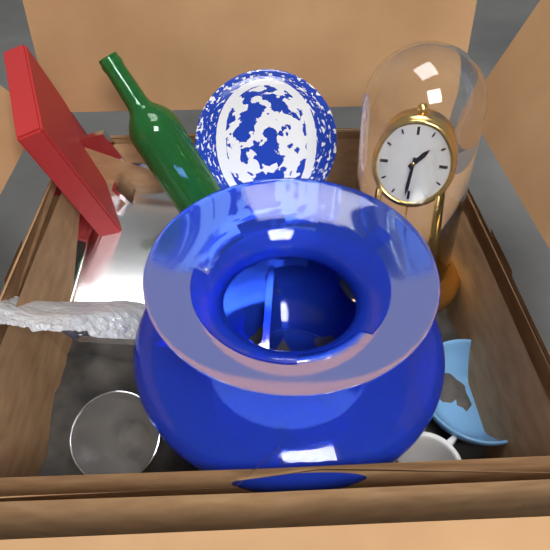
1:31
